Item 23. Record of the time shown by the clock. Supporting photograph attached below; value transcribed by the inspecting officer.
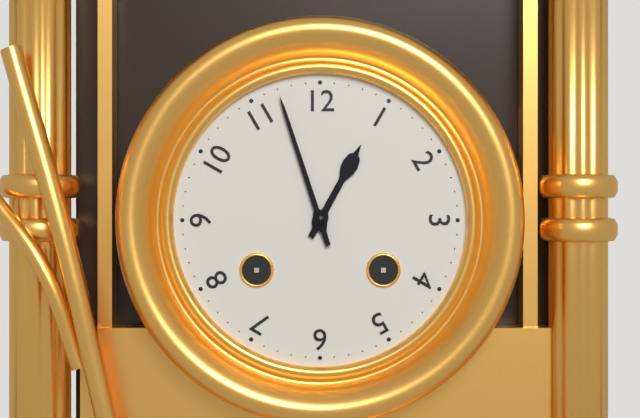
12:57
